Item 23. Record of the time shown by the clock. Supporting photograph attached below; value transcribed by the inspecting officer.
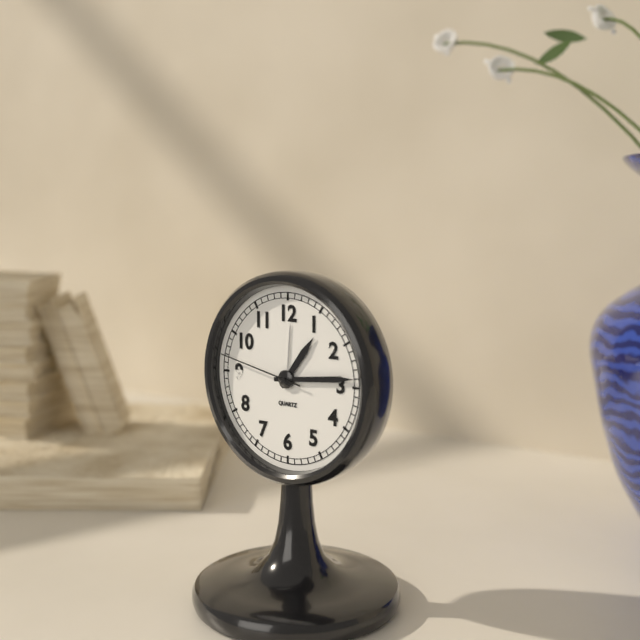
1:14:47
